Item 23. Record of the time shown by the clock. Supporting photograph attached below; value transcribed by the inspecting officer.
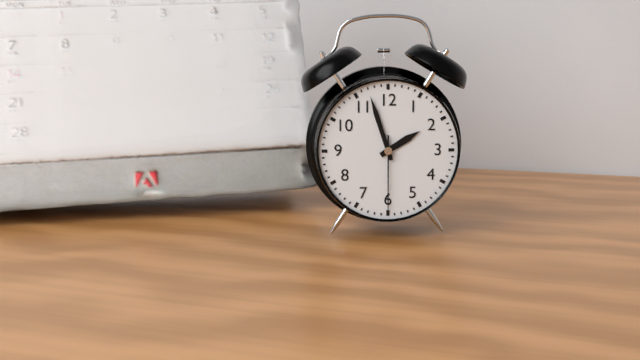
1:57:30
